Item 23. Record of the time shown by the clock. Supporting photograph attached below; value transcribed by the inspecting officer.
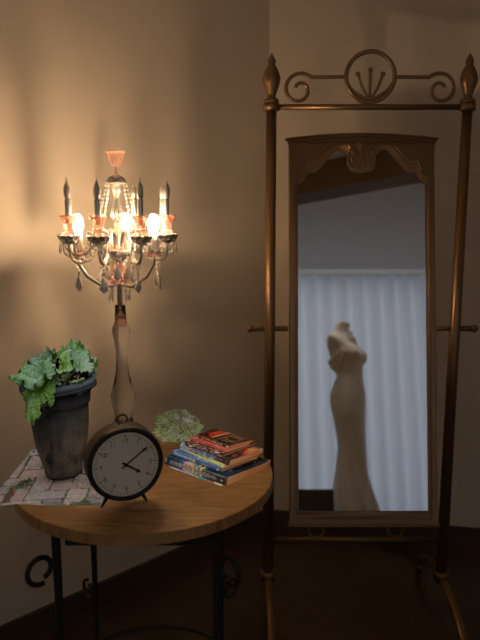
4:09
